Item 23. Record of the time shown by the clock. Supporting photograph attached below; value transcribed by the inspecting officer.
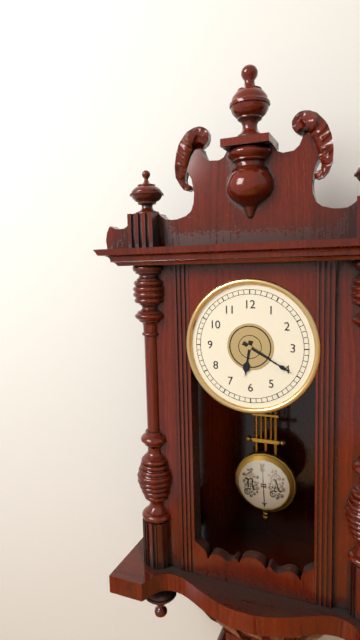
6:20
